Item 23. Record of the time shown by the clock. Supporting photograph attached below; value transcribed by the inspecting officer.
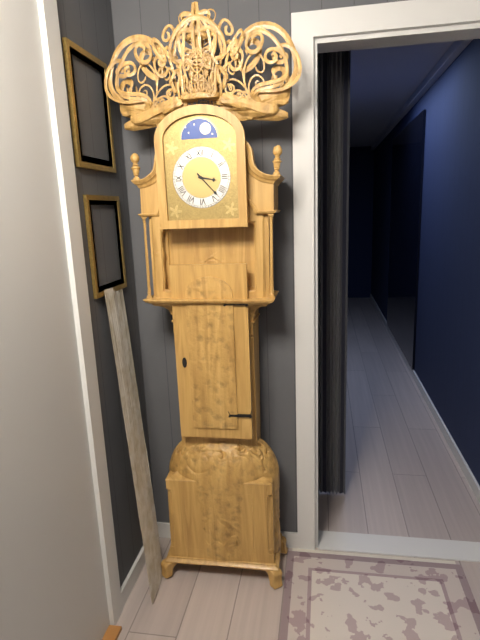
3:23
